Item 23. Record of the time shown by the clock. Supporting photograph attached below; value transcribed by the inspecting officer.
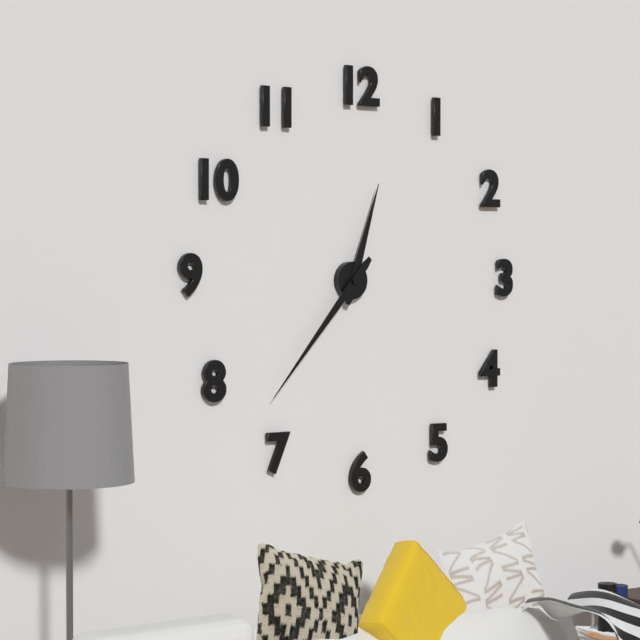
12:37
